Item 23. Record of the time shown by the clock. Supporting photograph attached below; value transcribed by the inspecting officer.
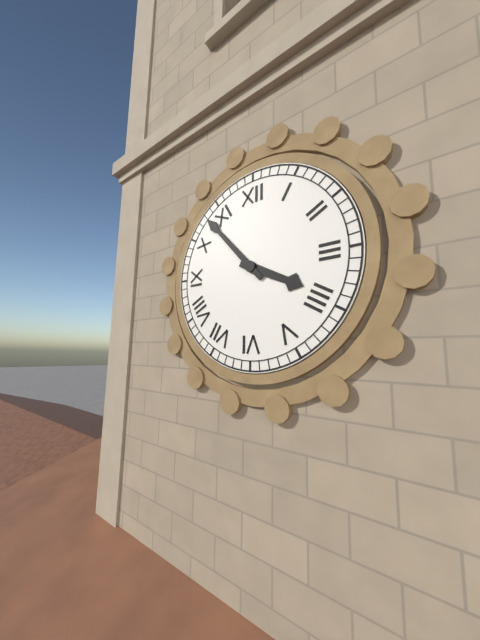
3:53
